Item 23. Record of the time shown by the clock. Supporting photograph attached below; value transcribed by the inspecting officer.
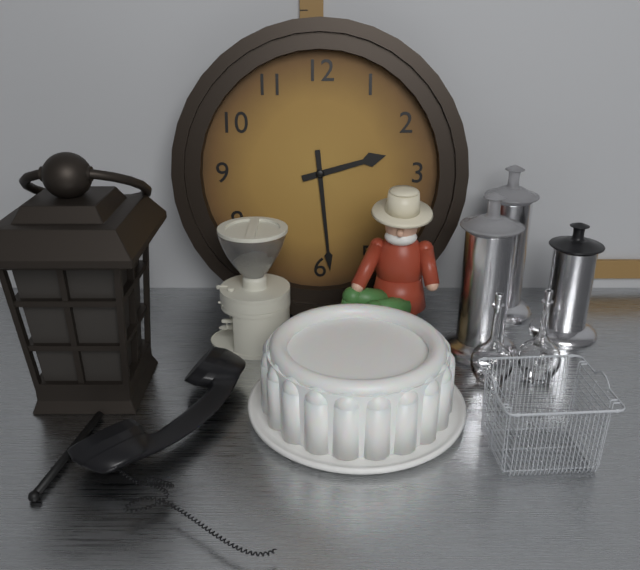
2:29
